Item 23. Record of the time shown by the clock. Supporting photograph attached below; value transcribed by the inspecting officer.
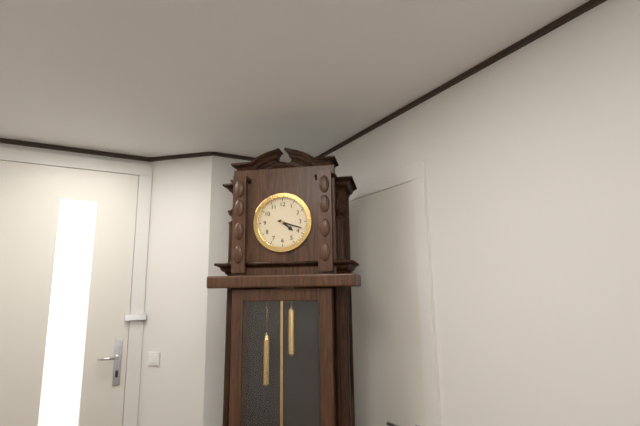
4:18
